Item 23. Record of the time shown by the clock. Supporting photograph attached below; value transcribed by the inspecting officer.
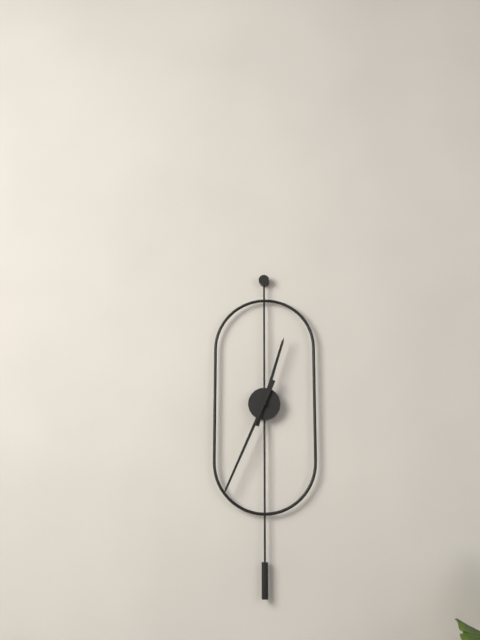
12:34
